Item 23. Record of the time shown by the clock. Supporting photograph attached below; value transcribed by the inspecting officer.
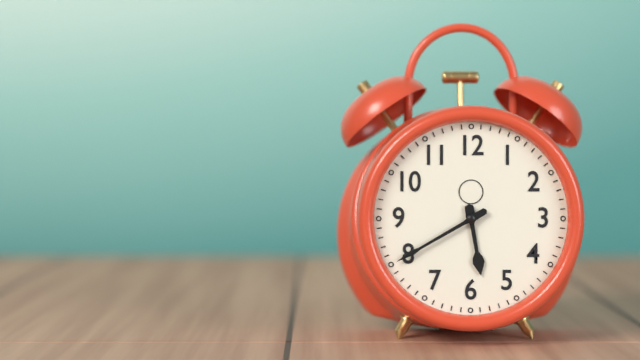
5:40
